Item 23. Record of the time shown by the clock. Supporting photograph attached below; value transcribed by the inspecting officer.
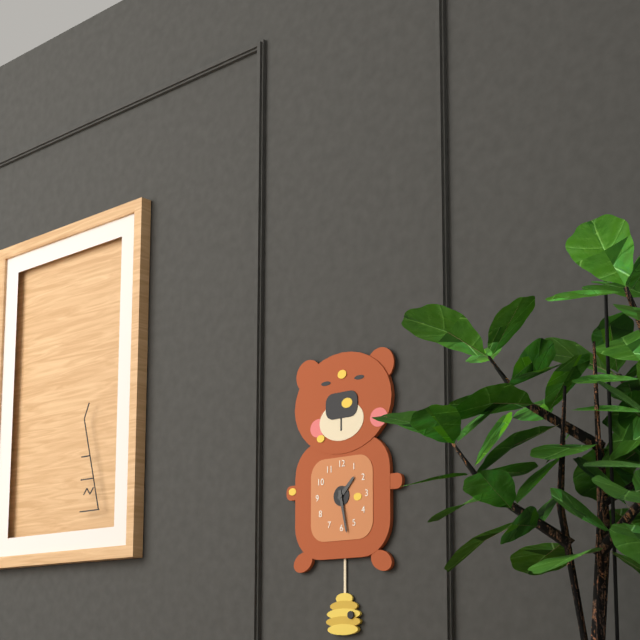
1:28
